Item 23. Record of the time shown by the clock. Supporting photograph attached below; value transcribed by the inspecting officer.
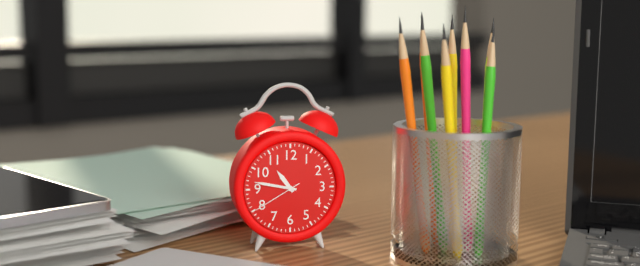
10:47:40
